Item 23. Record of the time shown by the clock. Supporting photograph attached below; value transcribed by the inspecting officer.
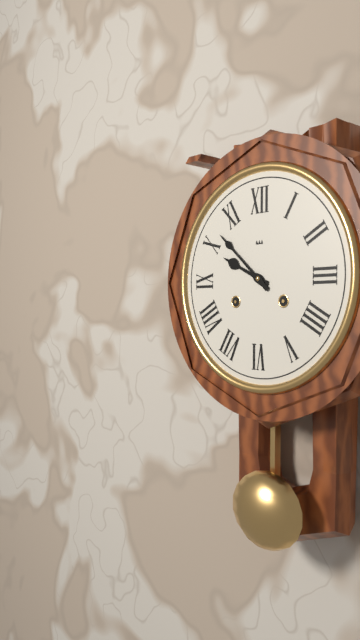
9:52
